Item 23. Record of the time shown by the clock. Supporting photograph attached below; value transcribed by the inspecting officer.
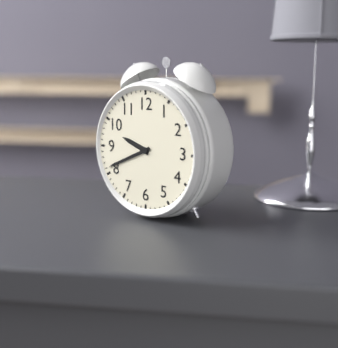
9:41
